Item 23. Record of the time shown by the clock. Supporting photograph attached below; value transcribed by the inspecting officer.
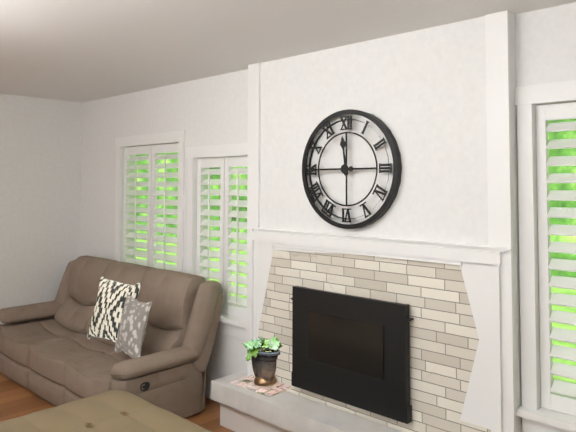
11:45
